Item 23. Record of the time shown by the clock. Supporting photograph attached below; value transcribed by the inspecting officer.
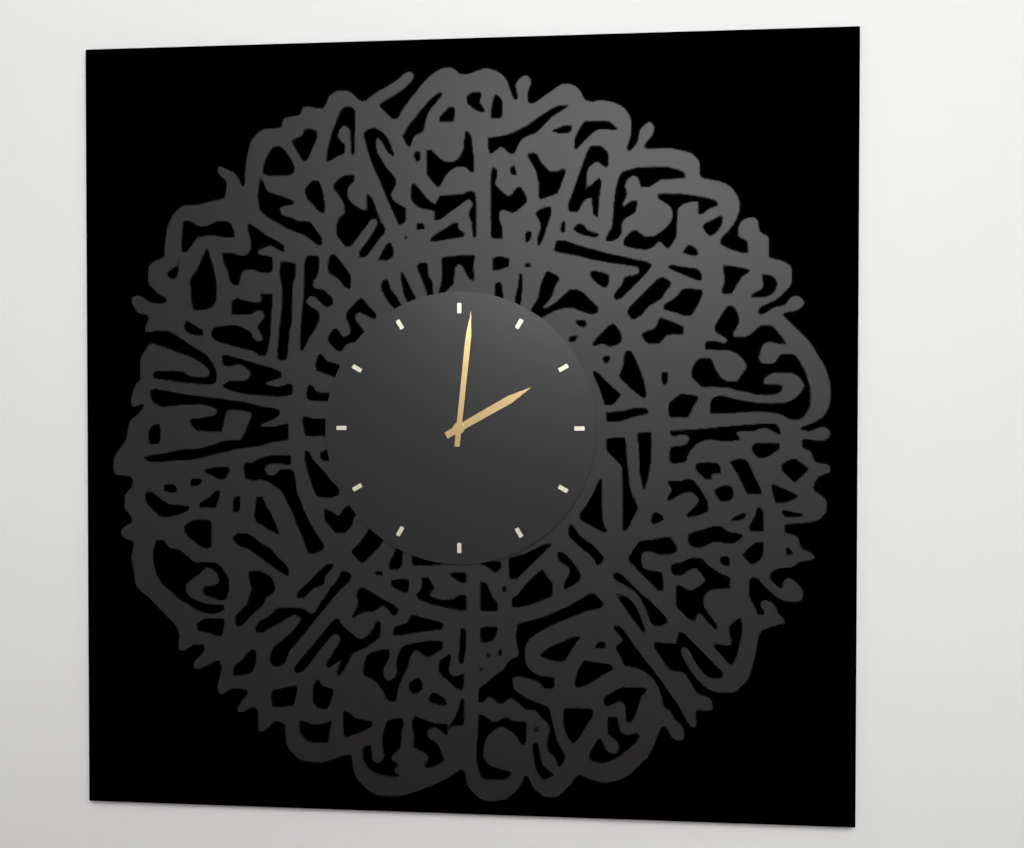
2:01
